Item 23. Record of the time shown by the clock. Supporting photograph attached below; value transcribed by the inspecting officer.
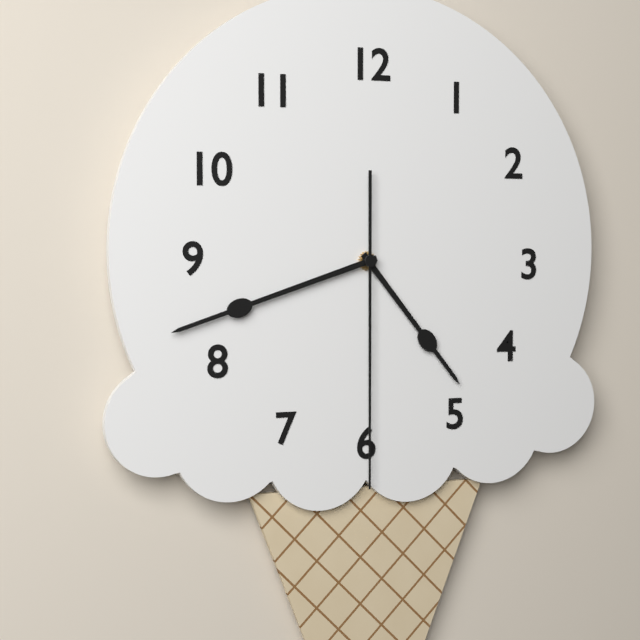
4:42:30
